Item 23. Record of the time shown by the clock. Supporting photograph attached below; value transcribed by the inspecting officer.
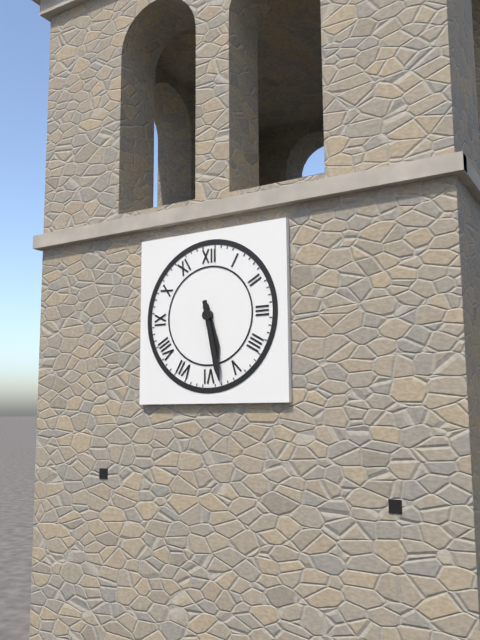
5:28
